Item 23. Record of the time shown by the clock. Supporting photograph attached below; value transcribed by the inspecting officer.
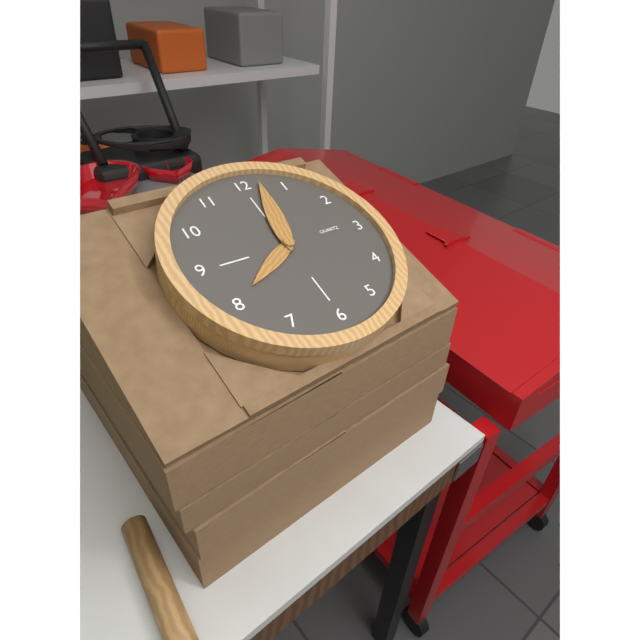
8:02
